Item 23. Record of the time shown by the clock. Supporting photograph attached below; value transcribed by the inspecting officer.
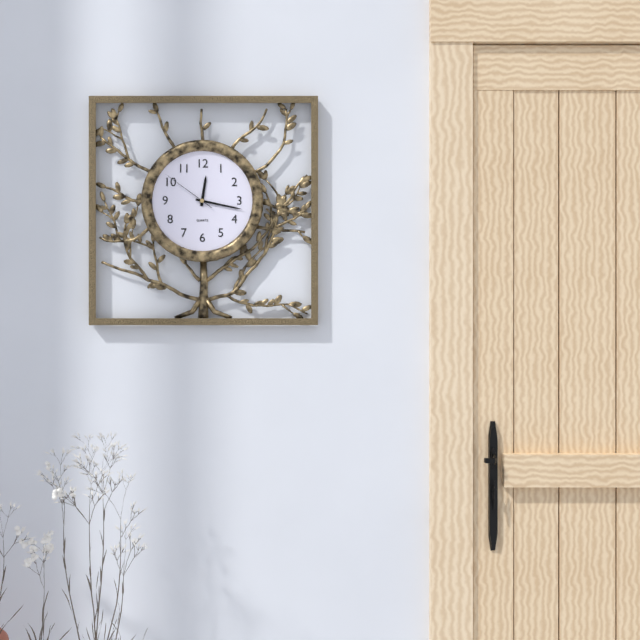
12:17:51
